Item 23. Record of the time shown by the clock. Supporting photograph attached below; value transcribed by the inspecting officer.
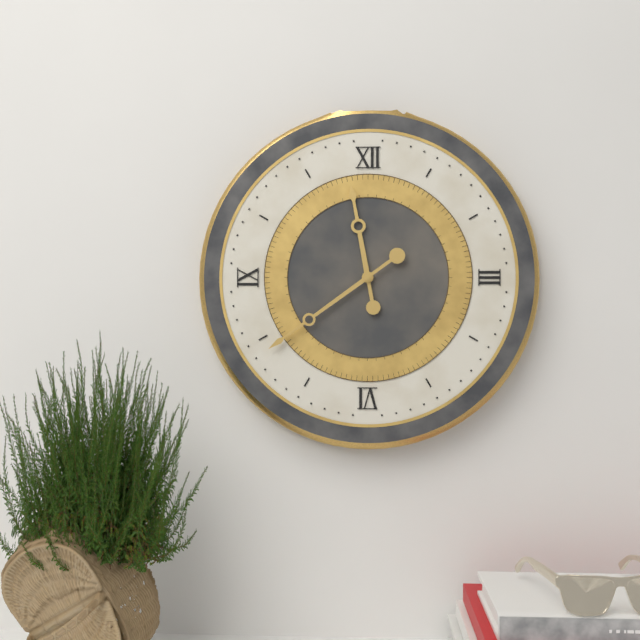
11:39
